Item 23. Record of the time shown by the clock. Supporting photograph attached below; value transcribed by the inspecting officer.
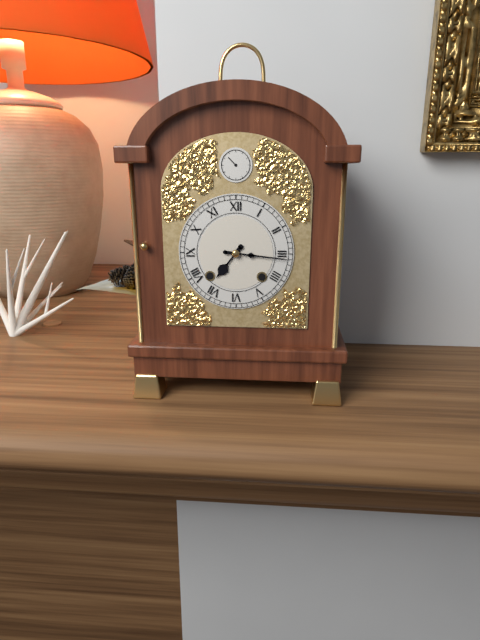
7:16
